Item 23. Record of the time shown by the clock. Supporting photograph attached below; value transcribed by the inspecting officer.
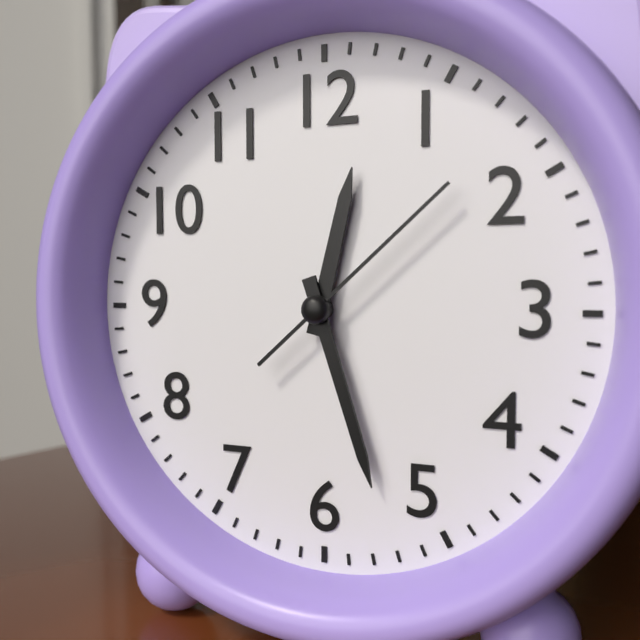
12:27:08
